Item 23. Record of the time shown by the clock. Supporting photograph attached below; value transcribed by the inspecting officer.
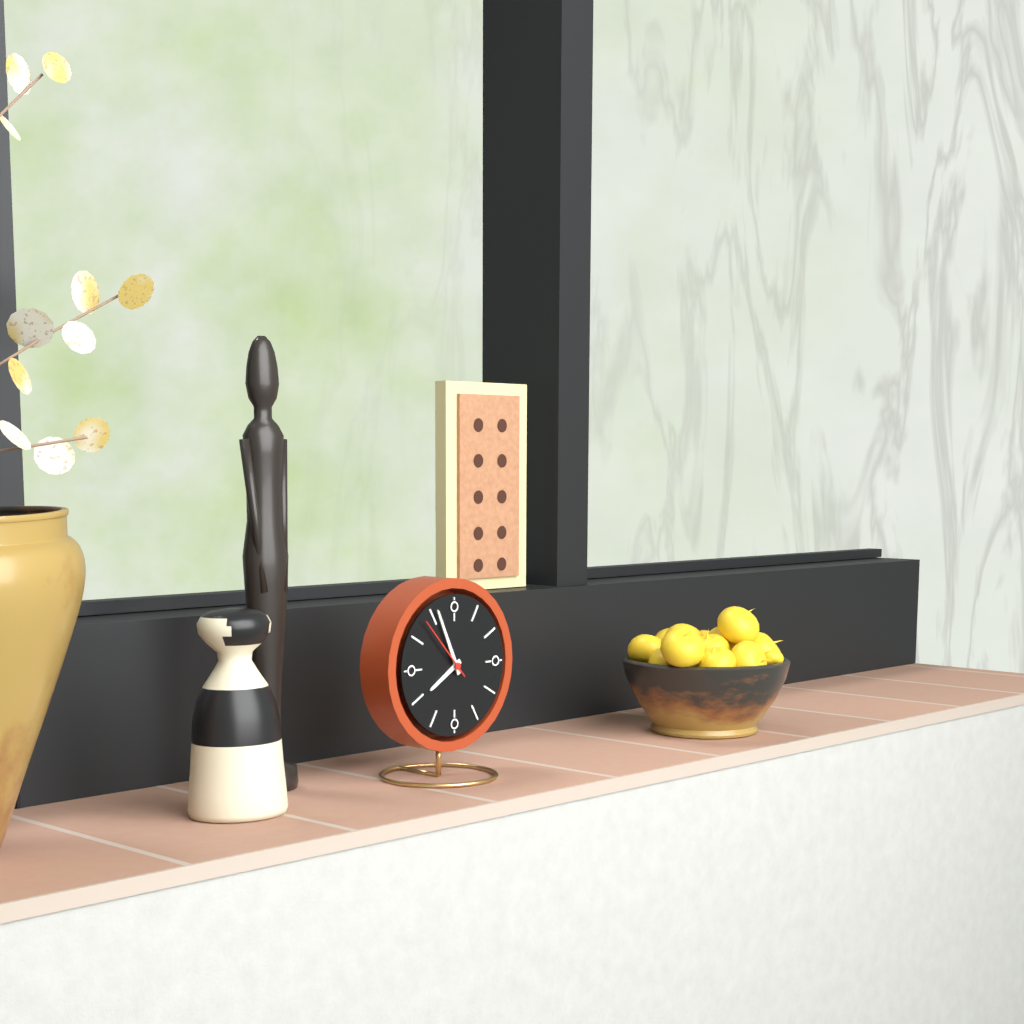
7:56:53
